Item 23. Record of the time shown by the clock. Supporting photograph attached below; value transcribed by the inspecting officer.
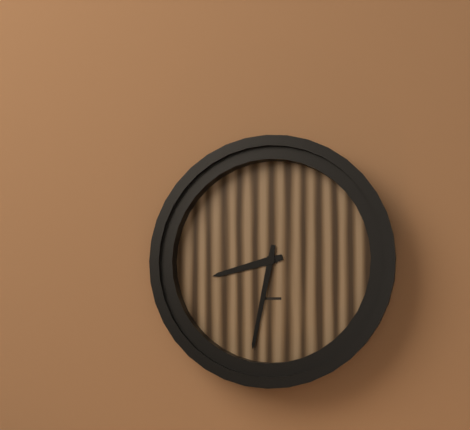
8:32
